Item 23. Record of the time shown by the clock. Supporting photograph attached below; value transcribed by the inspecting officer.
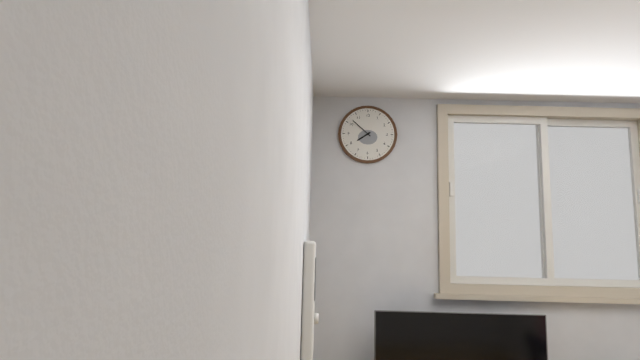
7:52
